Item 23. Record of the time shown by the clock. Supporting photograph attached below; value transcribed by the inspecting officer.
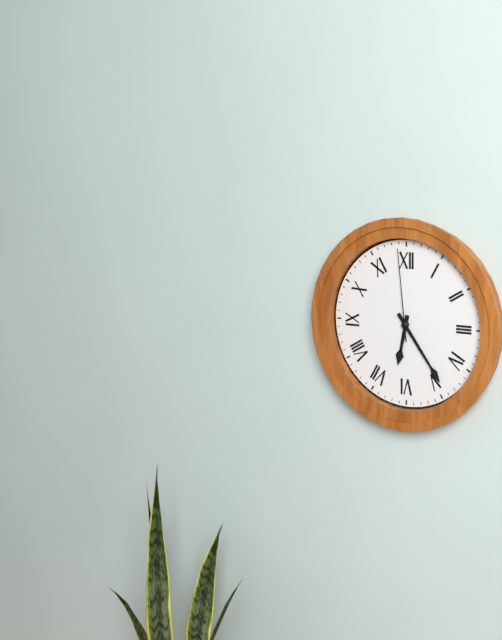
6:24:59
